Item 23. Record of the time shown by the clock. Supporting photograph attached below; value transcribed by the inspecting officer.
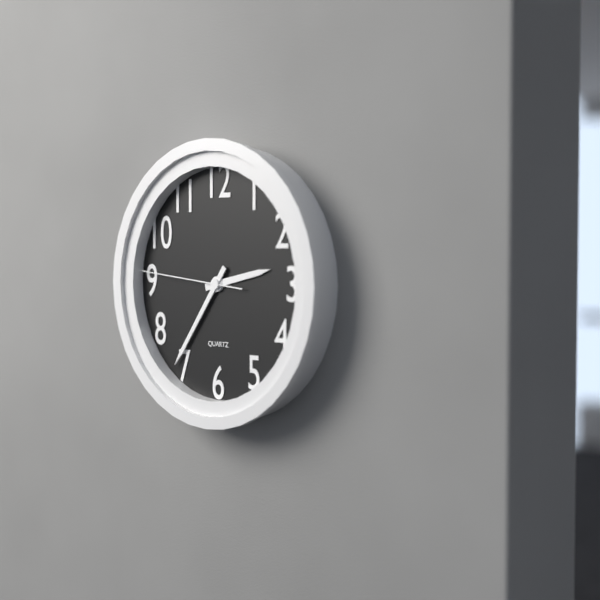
2:36:46
